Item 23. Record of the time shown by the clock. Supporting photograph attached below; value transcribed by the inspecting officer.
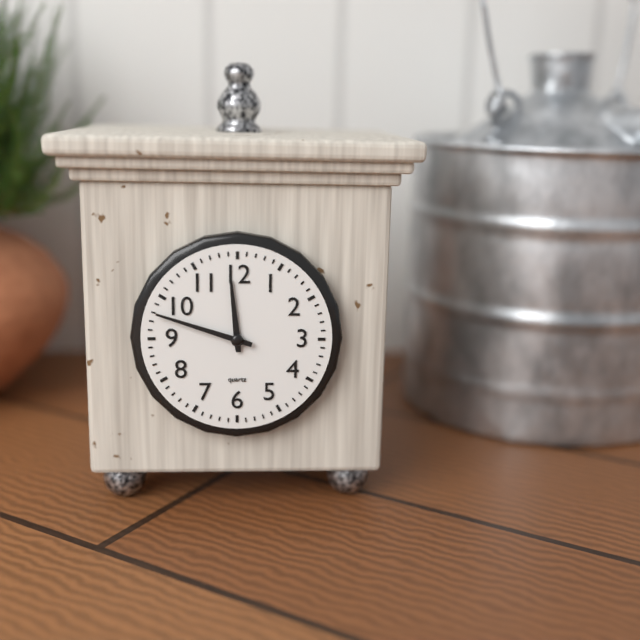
11:48
